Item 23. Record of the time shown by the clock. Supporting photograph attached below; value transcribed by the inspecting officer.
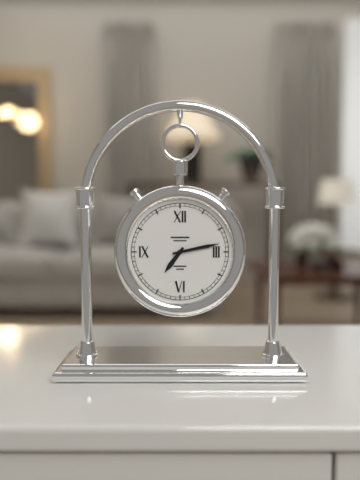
7:13
